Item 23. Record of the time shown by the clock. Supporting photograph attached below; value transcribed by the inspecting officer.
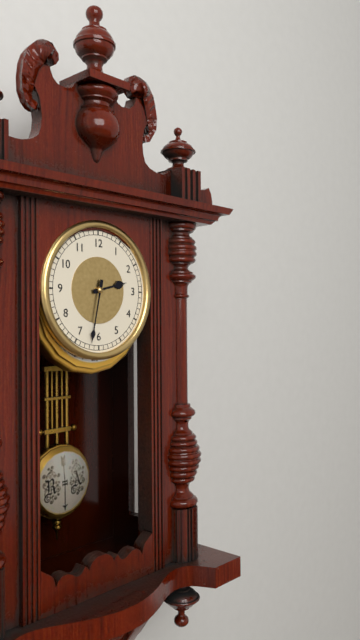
2:32
